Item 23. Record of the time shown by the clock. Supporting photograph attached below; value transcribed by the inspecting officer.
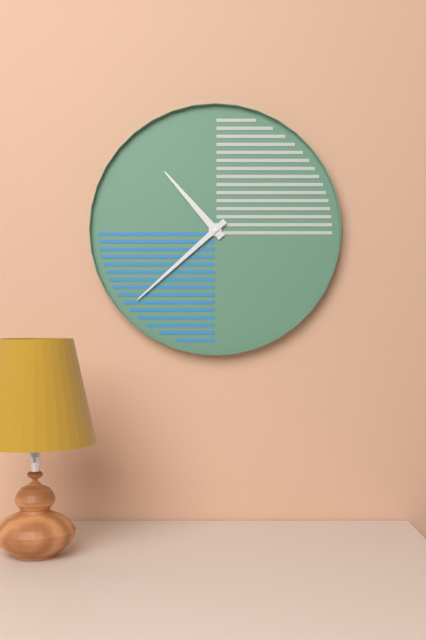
10:38
